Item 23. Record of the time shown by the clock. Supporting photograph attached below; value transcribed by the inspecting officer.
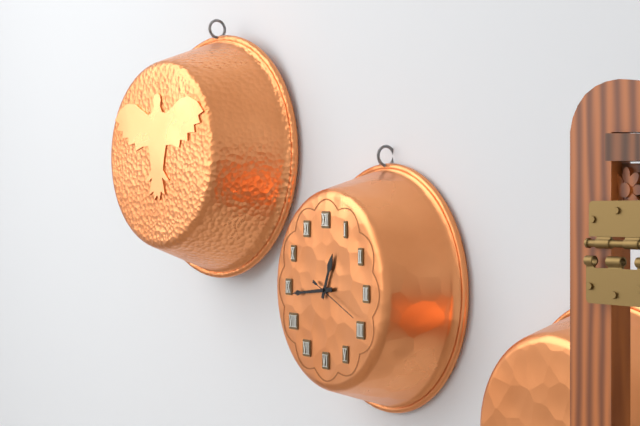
12:44:19
